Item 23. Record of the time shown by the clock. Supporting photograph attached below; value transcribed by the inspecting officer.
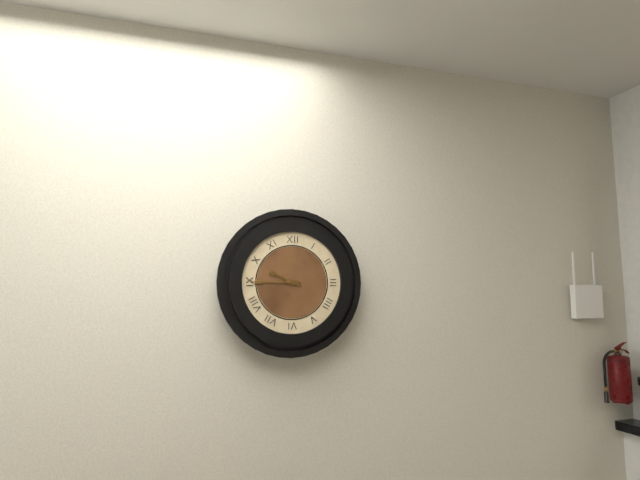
9:45
